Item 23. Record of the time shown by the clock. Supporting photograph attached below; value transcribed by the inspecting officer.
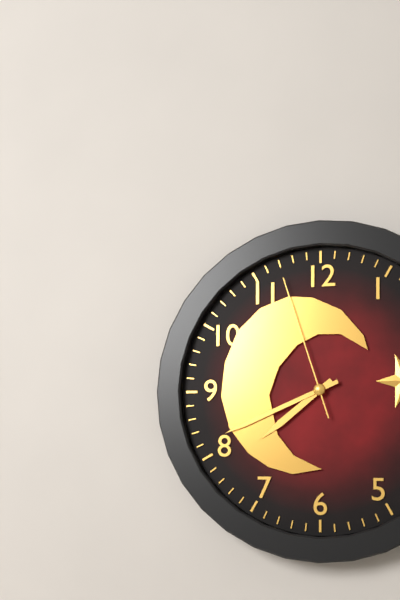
7:41:57
